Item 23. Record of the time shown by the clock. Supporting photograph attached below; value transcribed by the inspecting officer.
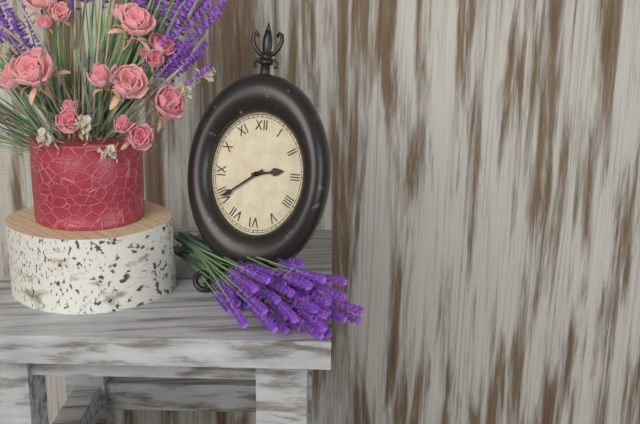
2:39
